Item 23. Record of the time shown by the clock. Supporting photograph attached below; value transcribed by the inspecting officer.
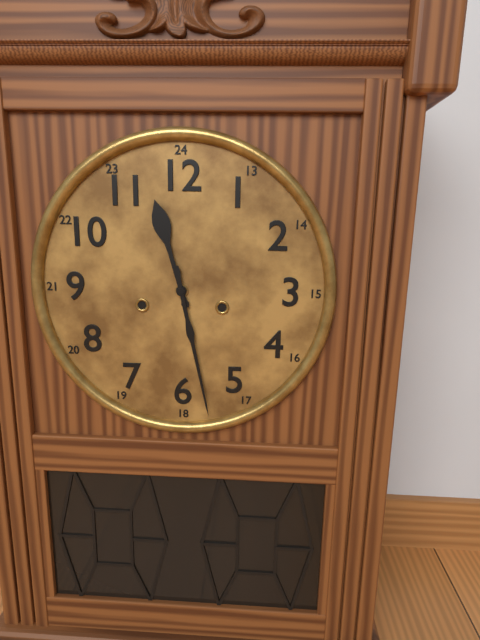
11:28
